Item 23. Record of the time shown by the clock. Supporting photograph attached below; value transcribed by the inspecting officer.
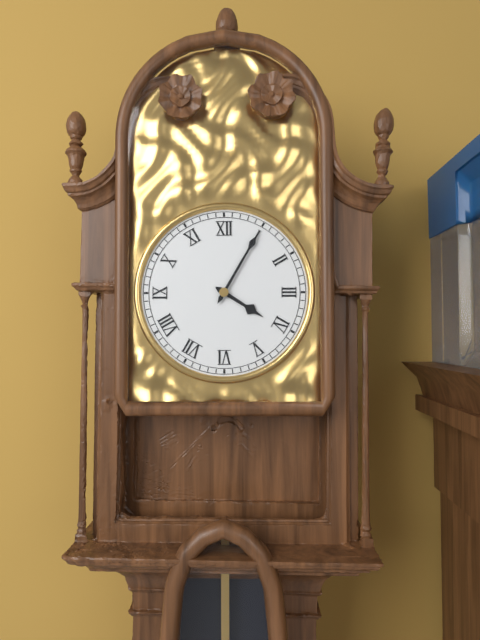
4:05
